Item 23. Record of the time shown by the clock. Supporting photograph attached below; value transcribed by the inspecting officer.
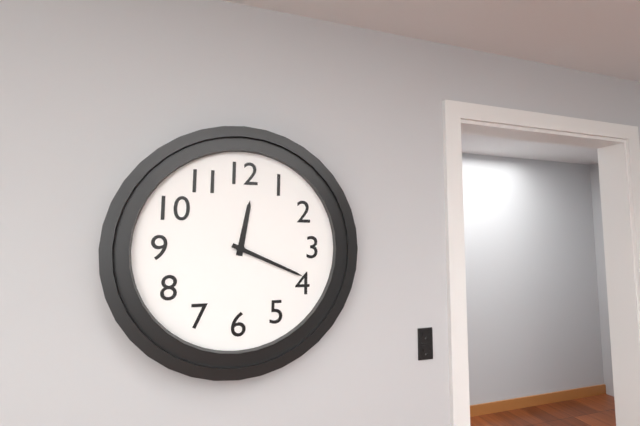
12:19
